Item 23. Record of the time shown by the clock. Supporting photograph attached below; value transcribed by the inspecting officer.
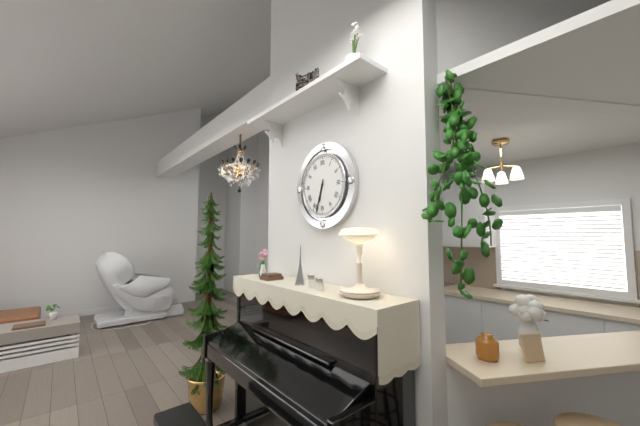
6:33
